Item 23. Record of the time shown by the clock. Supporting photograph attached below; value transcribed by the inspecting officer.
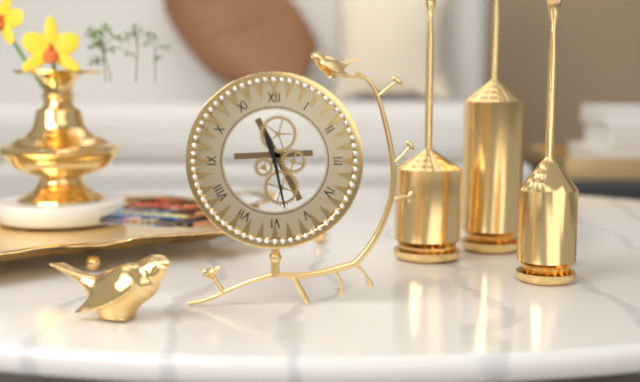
11:28
